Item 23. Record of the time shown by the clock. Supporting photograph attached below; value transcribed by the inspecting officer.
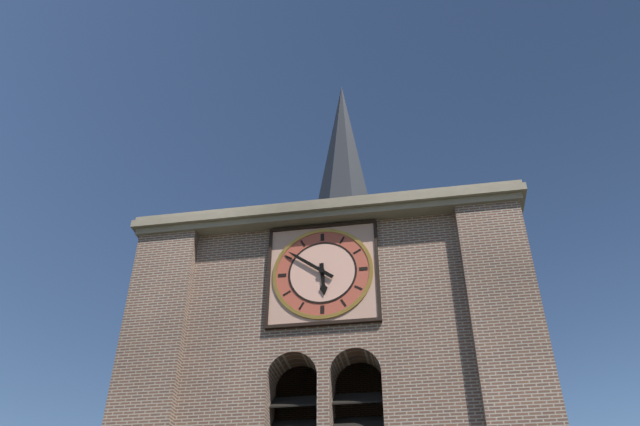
5:51
